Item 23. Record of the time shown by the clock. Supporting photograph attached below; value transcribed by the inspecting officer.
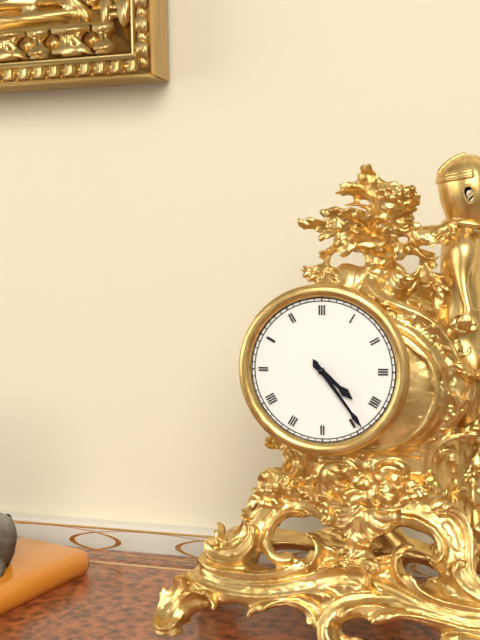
4:24
